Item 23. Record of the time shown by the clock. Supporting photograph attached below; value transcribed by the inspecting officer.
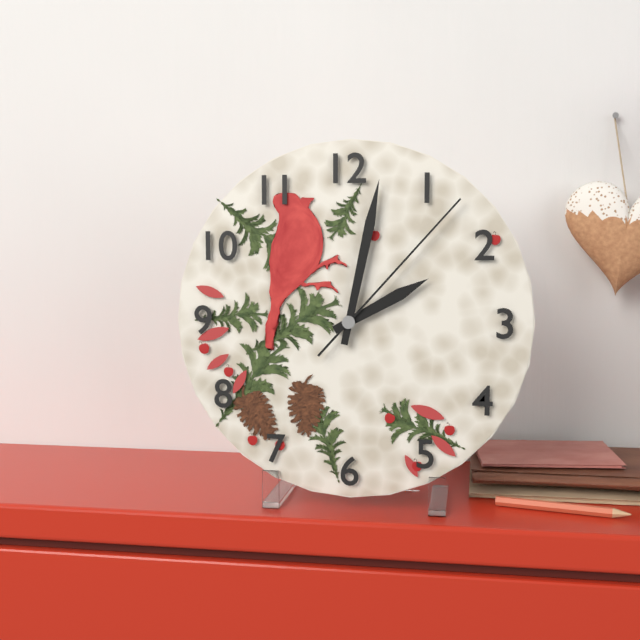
2:02:07
